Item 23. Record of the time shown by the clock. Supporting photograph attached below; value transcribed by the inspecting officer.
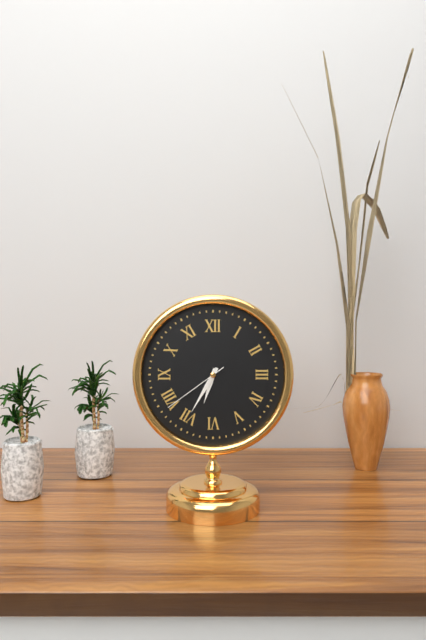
6:35:39
